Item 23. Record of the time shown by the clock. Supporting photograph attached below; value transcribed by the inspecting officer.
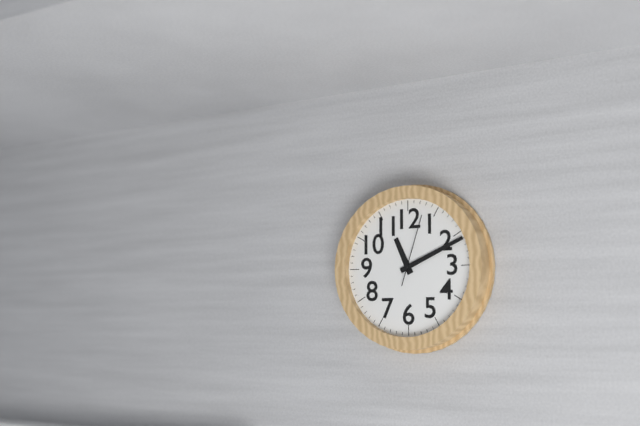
11:11:03
